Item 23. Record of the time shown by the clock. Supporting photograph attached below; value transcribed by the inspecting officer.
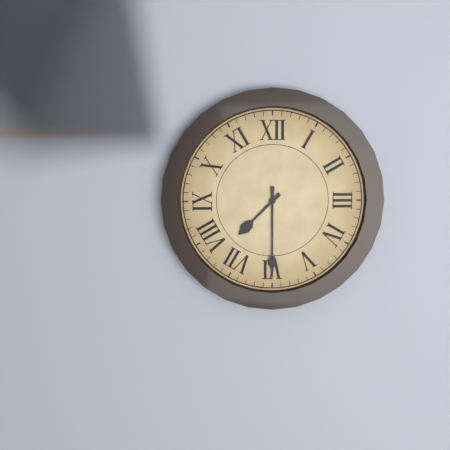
7:30
